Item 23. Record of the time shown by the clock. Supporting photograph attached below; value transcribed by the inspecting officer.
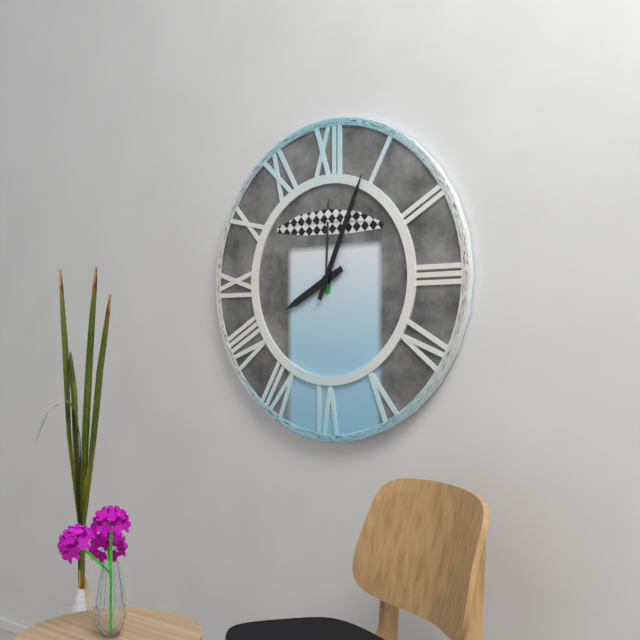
8:04
